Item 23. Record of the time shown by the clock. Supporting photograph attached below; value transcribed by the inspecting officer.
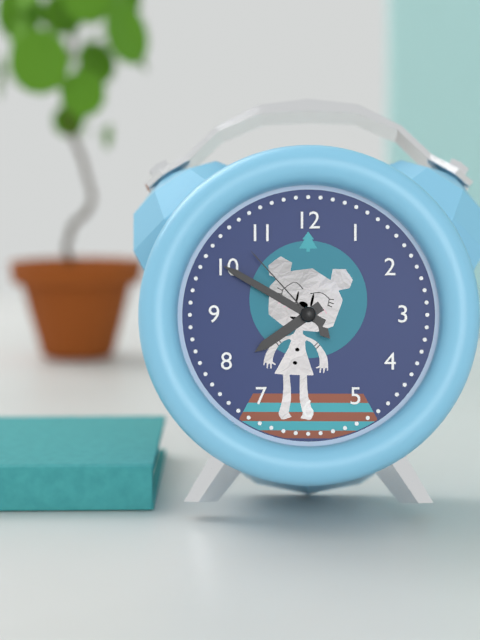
7:50:53
